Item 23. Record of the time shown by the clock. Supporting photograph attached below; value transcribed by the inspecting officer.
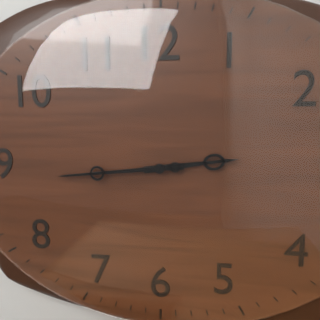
2:44
